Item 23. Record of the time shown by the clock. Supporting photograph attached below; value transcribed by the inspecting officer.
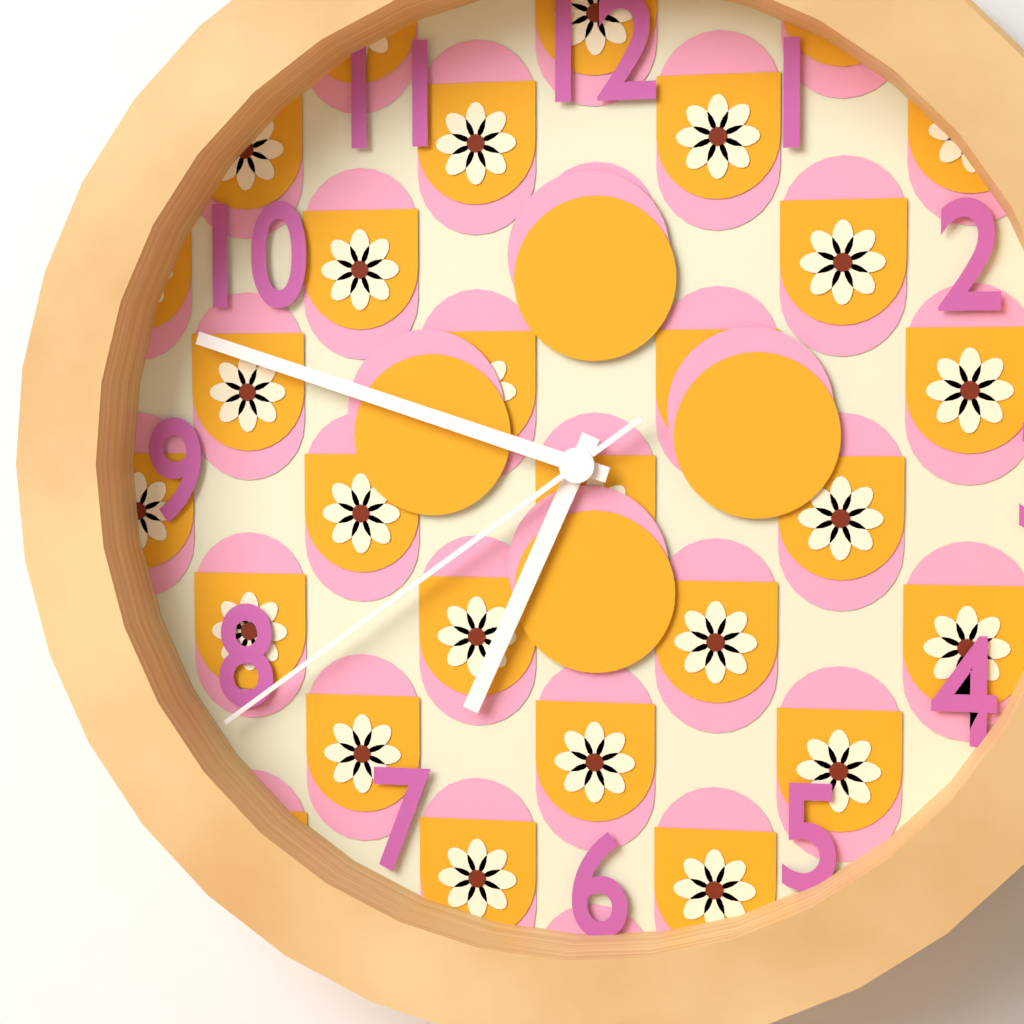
6:48:39
